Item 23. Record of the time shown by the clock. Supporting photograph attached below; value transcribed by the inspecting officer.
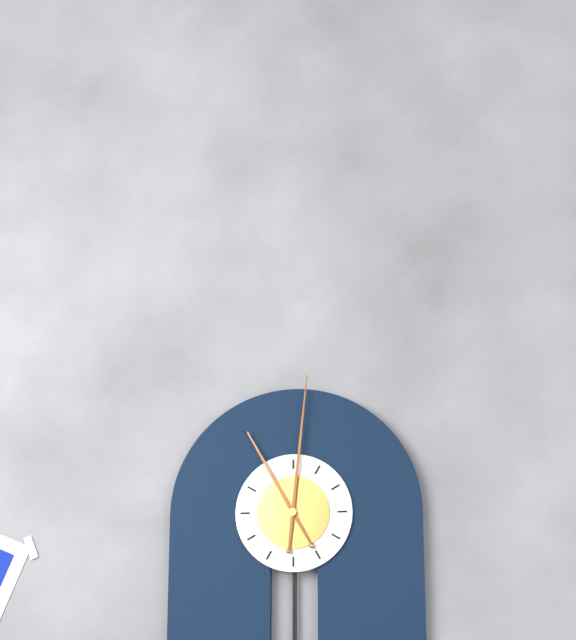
11:01
